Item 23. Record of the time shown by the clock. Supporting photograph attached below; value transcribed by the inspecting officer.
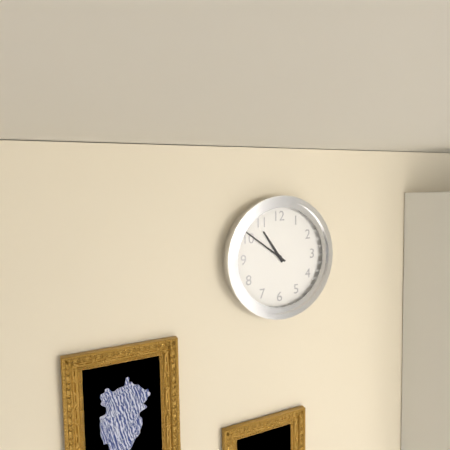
10:51
